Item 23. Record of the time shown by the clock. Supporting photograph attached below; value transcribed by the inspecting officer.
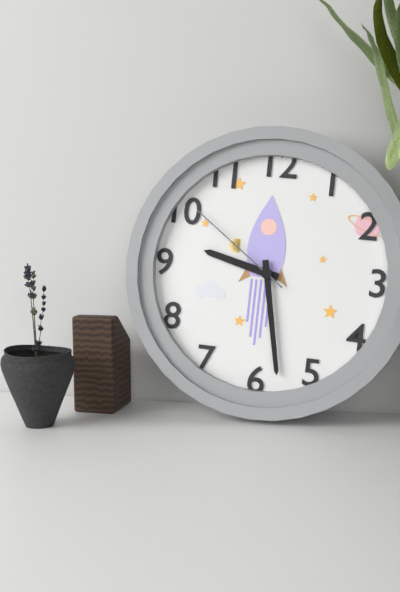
9:28:51
